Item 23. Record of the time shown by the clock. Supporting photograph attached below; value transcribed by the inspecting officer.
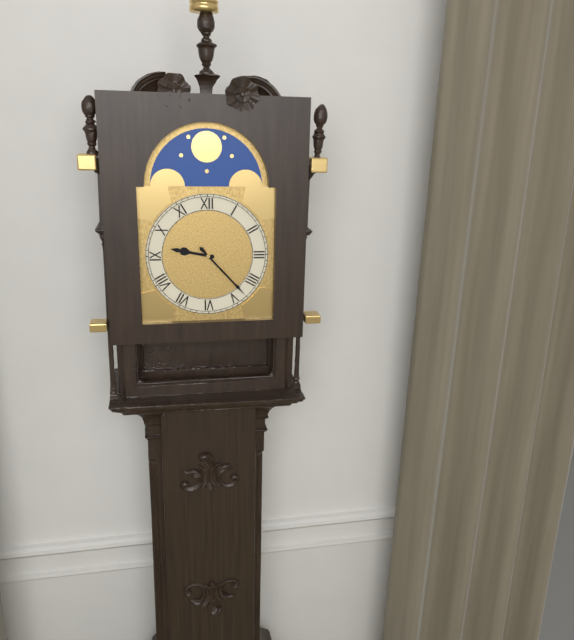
9:23
